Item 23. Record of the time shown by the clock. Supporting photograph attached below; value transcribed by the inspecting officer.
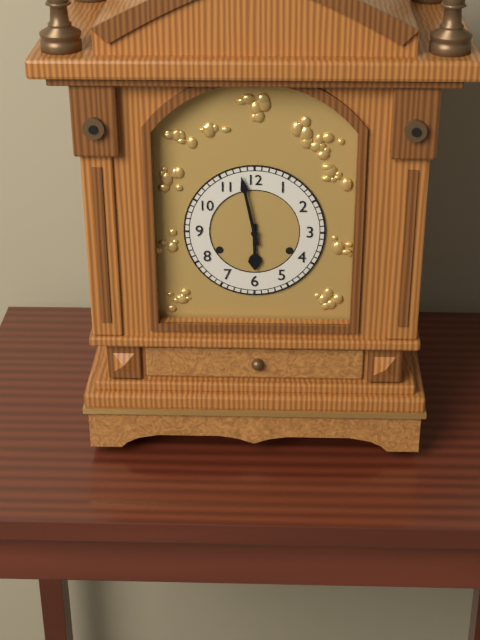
5:58
